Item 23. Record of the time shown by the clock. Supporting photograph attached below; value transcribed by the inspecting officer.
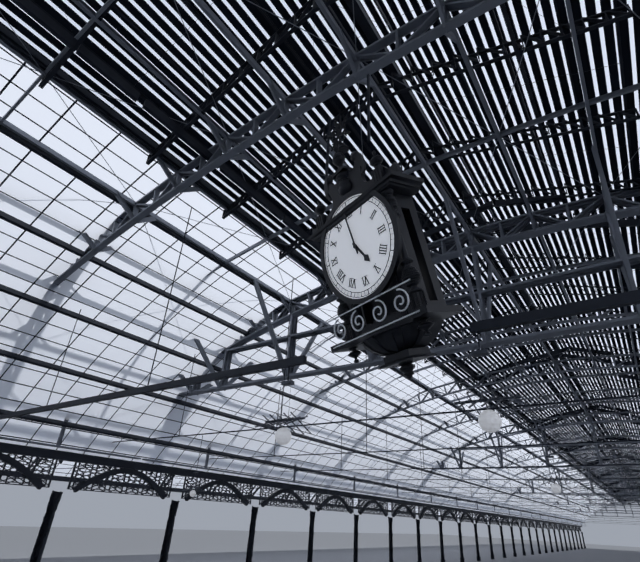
4:59
